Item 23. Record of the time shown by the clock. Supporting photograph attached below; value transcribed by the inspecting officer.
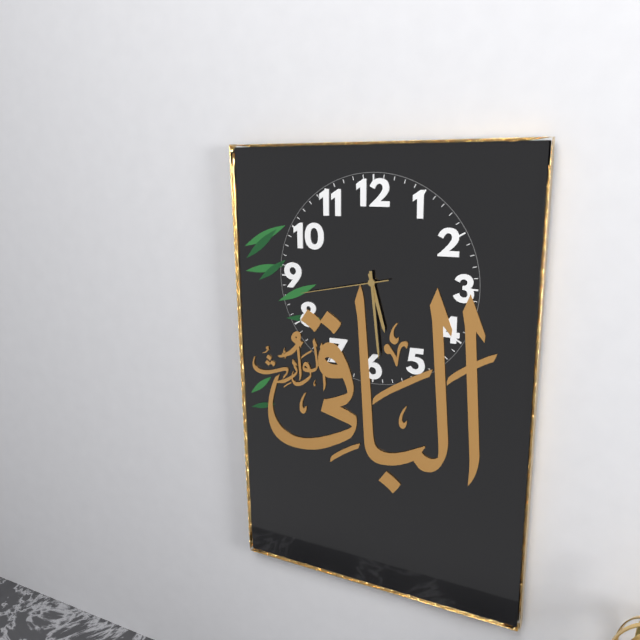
5:29:43
